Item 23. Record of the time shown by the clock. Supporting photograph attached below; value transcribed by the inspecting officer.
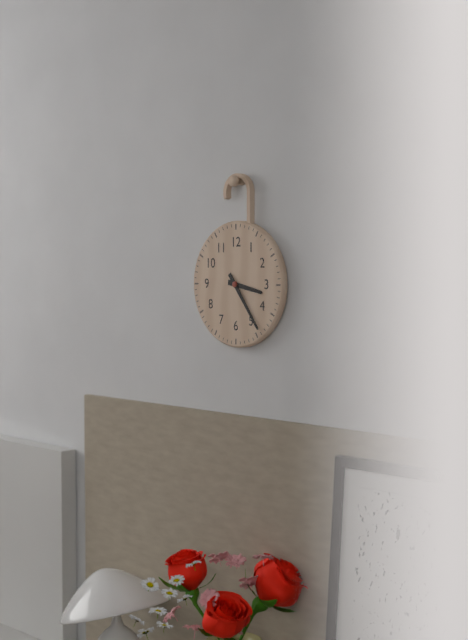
3:24
